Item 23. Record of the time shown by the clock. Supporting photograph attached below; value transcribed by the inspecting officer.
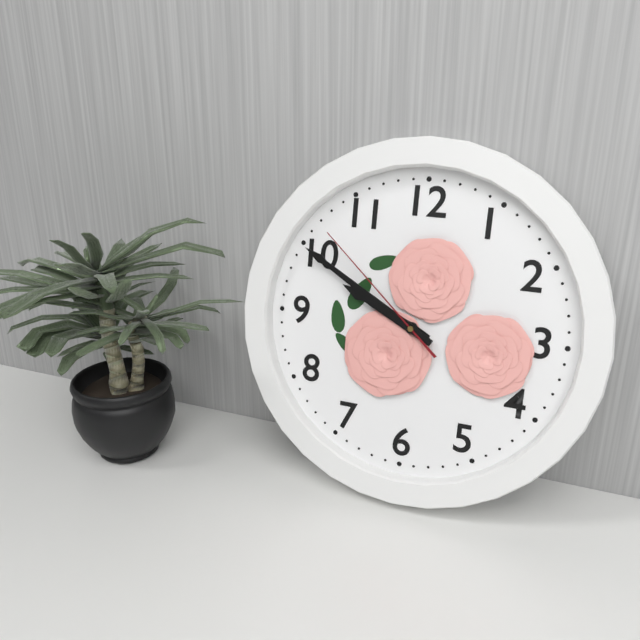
9:50:52
